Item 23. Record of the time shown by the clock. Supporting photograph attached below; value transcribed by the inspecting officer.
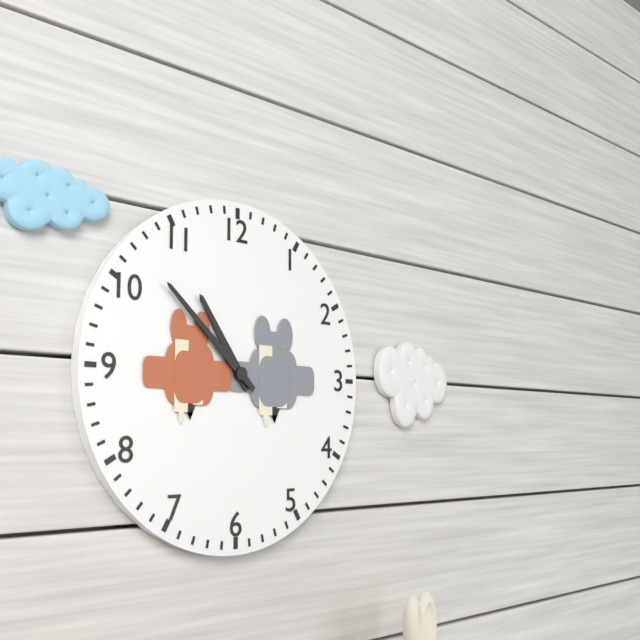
10:52
